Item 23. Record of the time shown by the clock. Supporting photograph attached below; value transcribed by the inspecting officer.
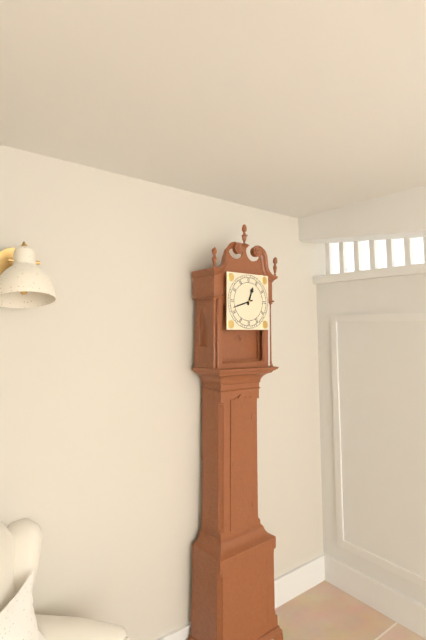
12:42
